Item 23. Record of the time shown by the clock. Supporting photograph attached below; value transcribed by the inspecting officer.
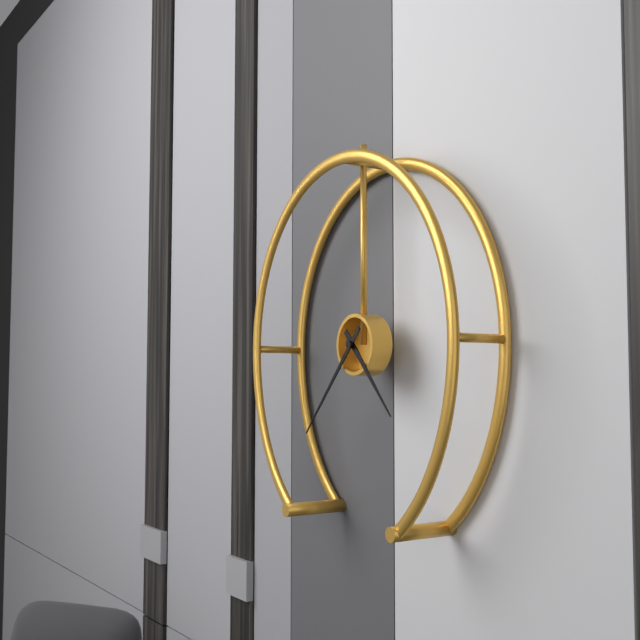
4:37
